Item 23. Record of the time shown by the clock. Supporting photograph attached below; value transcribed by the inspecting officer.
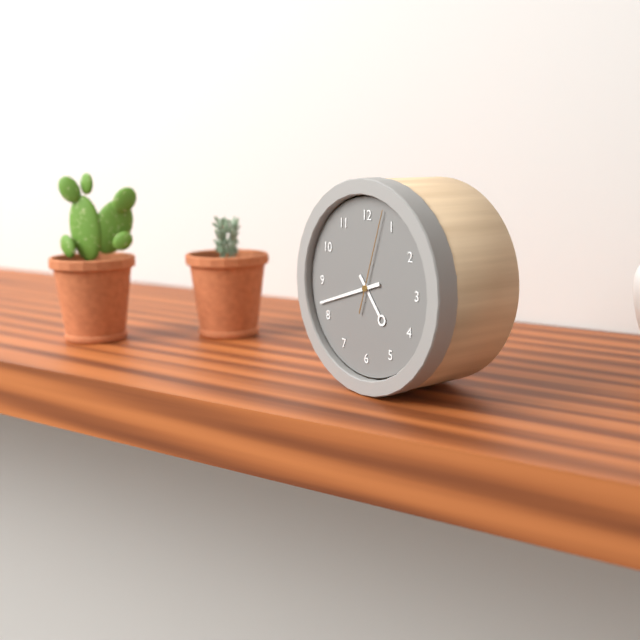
4:42:03
